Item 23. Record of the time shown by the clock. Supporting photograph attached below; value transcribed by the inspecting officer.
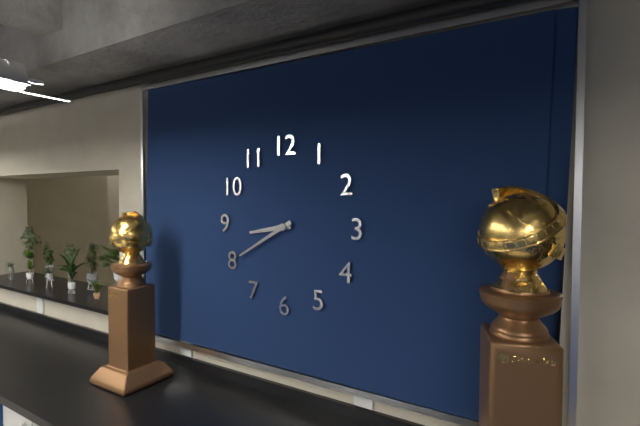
8:40
